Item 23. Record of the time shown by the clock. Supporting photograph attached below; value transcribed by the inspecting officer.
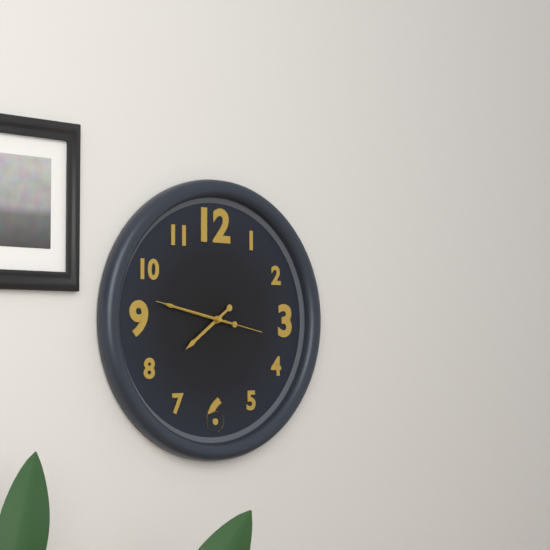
7:47:47
